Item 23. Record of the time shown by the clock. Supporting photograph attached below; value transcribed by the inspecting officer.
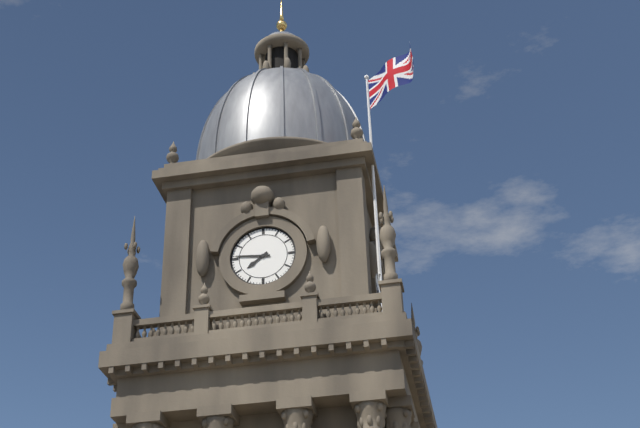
7:46
